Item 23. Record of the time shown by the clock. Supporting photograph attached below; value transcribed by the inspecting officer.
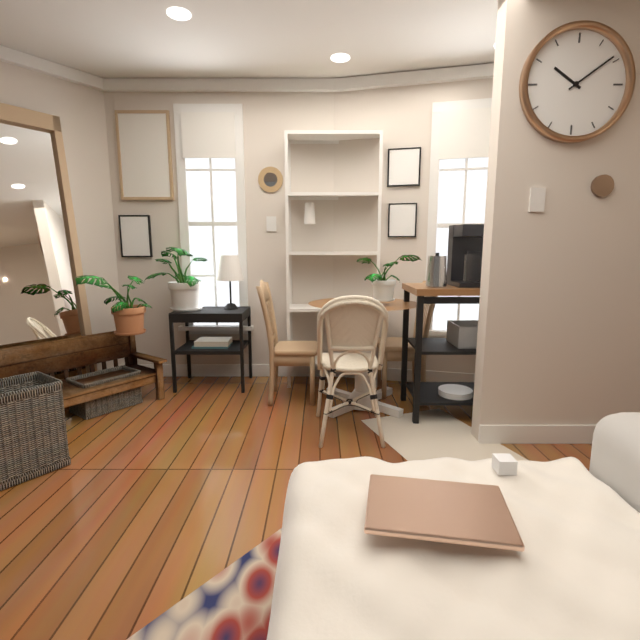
10:09
